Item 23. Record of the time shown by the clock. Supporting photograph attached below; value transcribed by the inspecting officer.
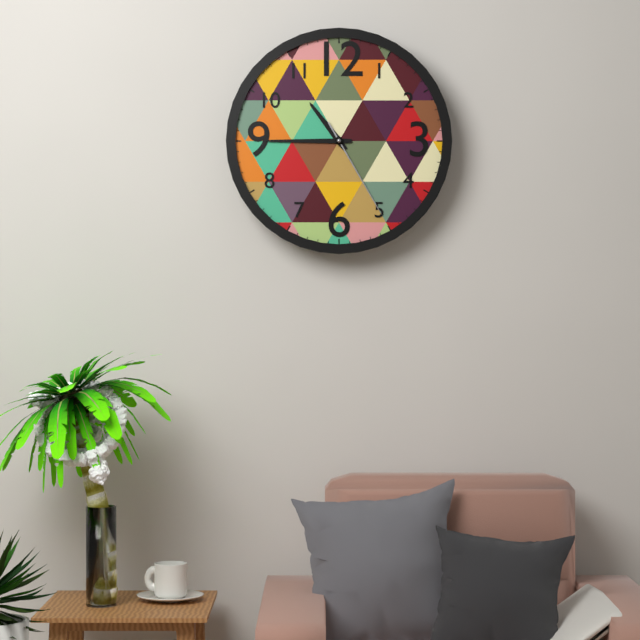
10:45:25
